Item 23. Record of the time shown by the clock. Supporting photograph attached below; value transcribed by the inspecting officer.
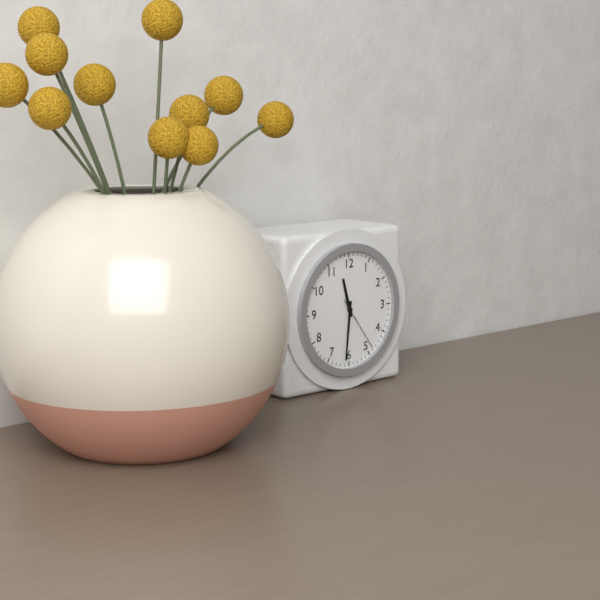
11:31:24
